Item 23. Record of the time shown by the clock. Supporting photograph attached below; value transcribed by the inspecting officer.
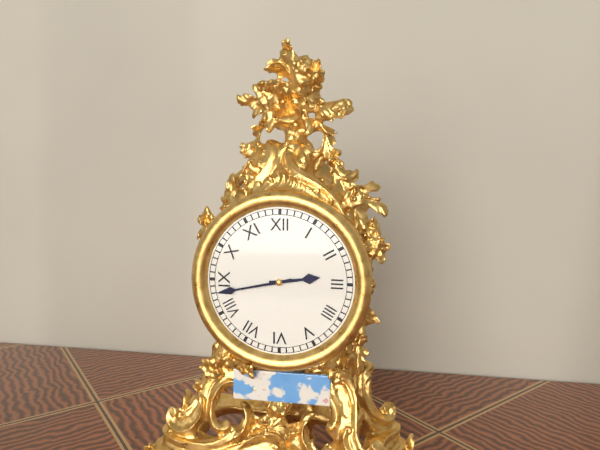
2:43
